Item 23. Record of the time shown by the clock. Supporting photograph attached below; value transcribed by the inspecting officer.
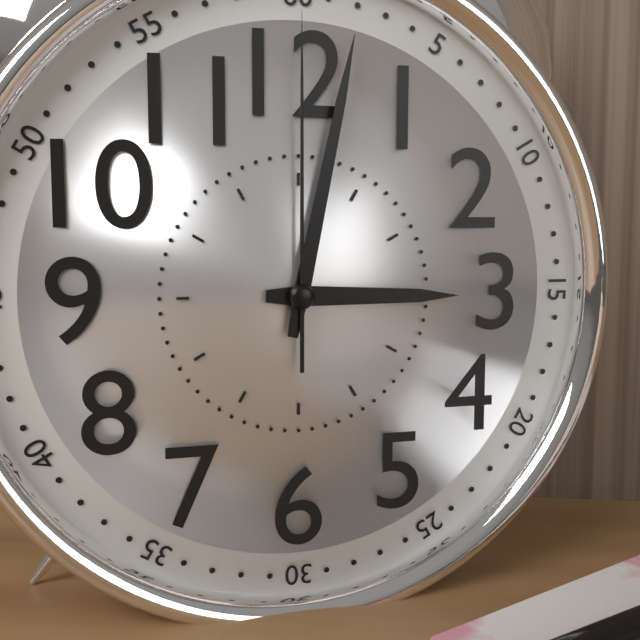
3:02:00
